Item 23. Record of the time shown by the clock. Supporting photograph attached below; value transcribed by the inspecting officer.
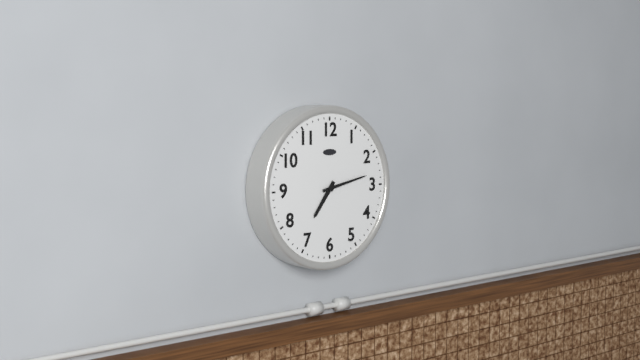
7:13
